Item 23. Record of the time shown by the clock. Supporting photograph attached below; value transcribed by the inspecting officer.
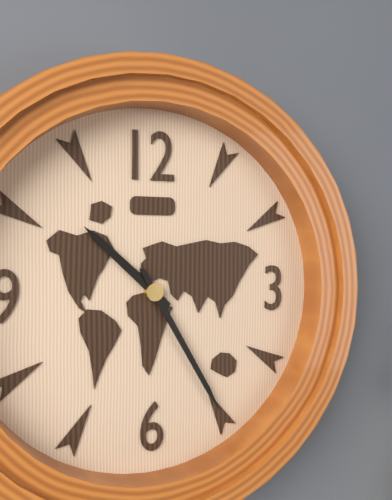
10:25
